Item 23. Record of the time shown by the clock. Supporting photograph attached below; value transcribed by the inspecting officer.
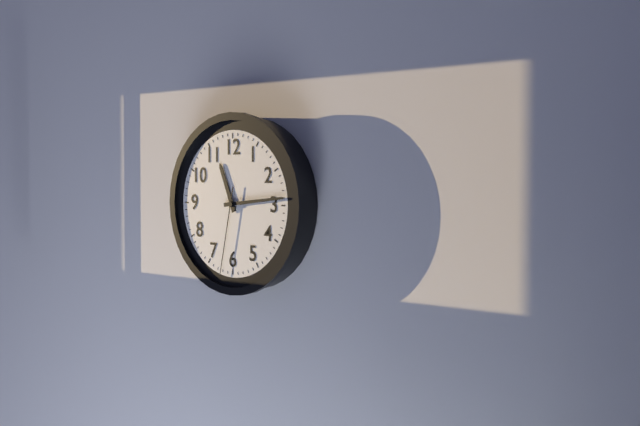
11:14:32
